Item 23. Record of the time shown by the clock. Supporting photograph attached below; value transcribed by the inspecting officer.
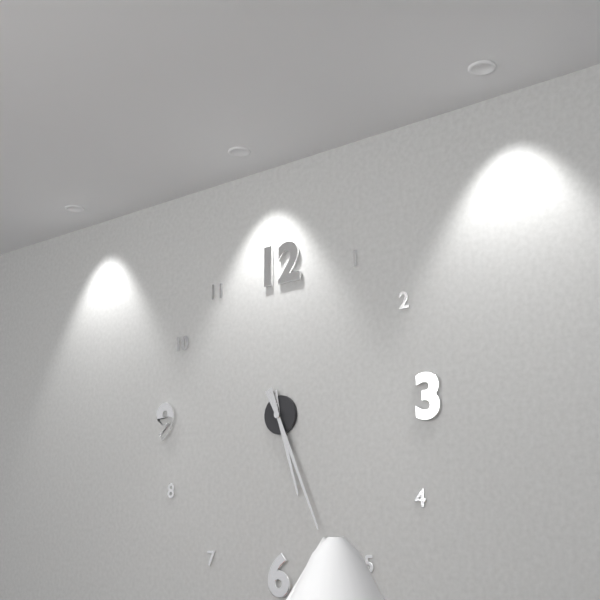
5:26
